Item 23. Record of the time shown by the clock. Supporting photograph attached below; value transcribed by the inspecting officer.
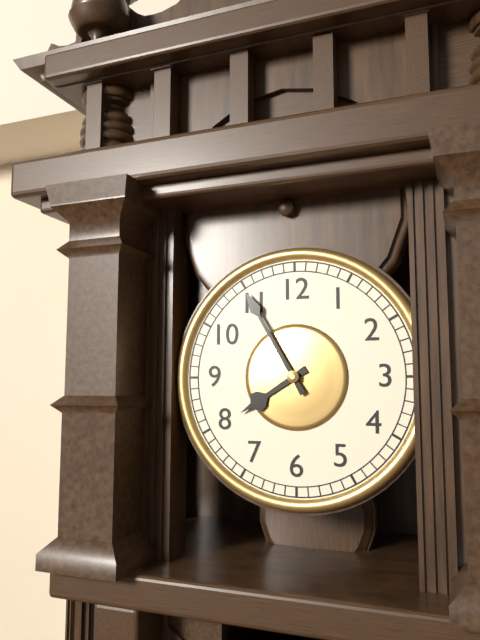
7:55
